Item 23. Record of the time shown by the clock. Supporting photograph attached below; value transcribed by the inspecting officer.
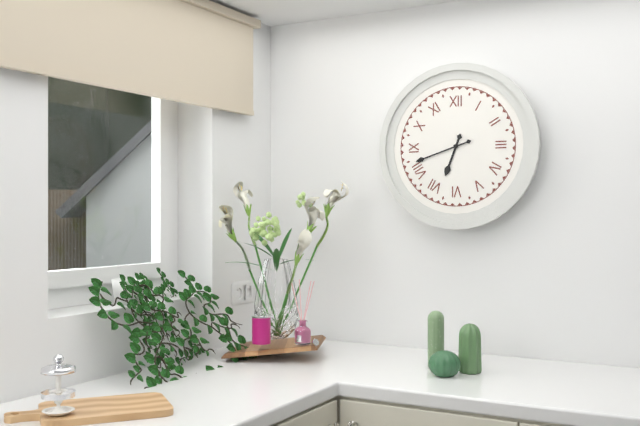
6:42
